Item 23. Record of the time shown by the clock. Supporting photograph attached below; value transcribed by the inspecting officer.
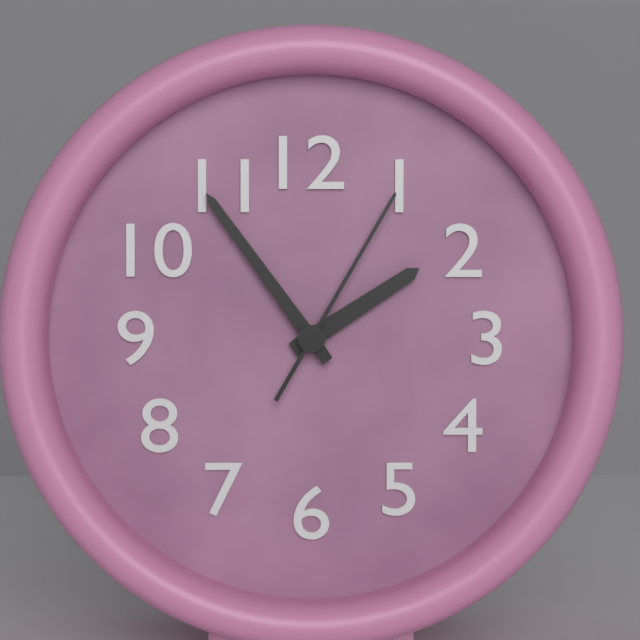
1:54:05
